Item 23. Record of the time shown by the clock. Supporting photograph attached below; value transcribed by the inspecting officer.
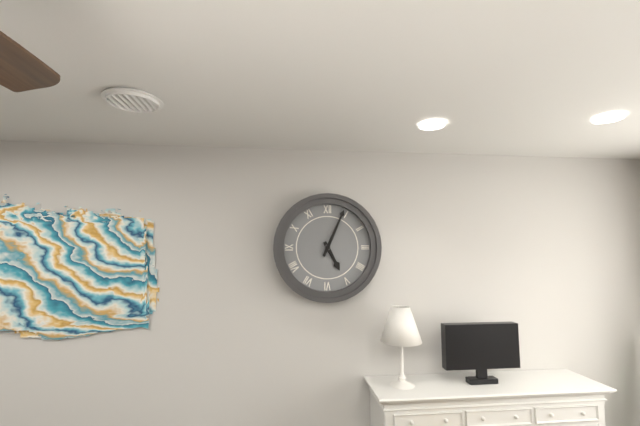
5:04
